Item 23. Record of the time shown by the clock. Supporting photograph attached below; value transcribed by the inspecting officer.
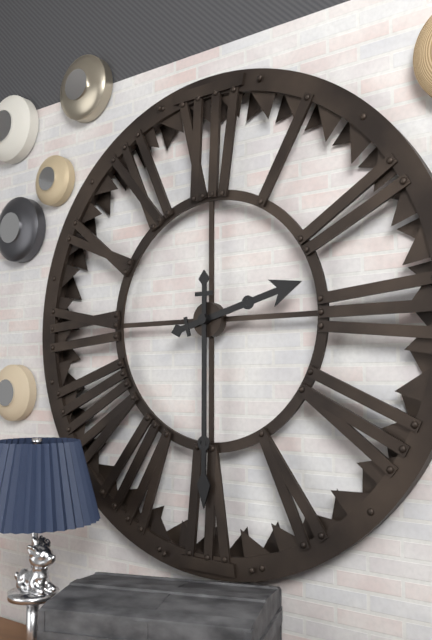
2:30
